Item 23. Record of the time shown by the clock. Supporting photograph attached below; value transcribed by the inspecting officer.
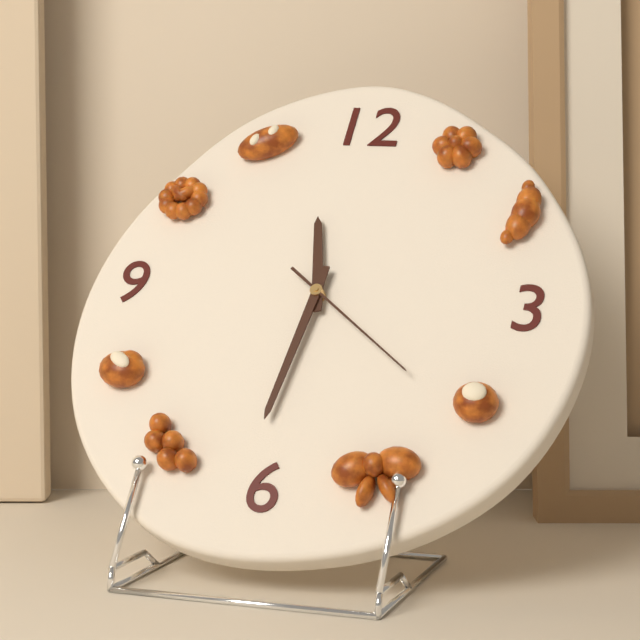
11:31:21
